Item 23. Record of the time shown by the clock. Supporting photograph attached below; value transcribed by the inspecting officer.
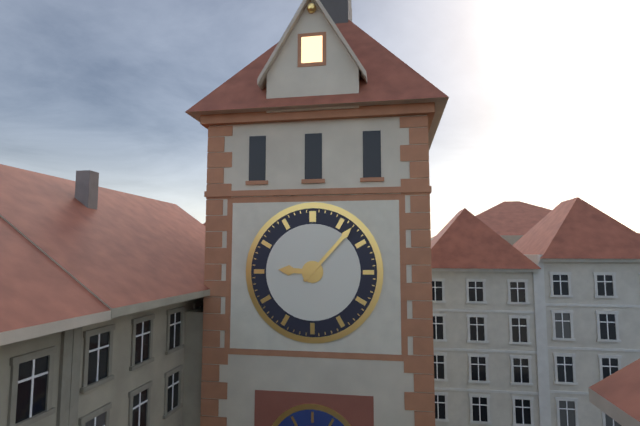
9:07
